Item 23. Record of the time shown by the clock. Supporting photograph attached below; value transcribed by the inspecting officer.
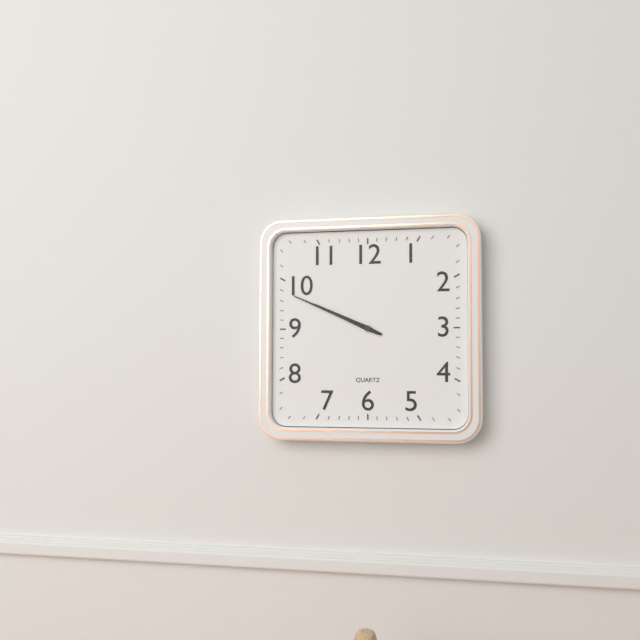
9:49
